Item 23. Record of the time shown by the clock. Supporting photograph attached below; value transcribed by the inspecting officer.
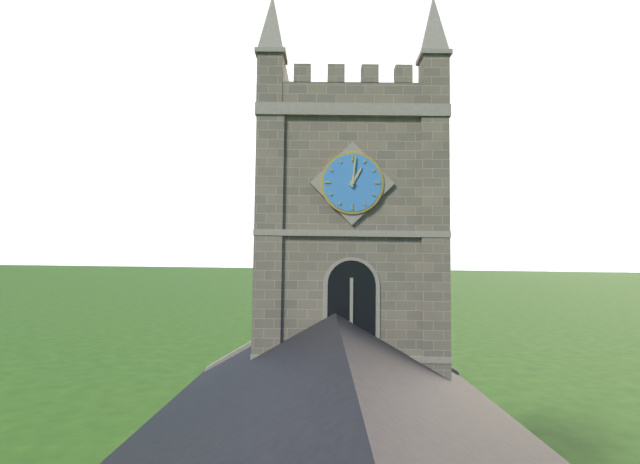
1:01
